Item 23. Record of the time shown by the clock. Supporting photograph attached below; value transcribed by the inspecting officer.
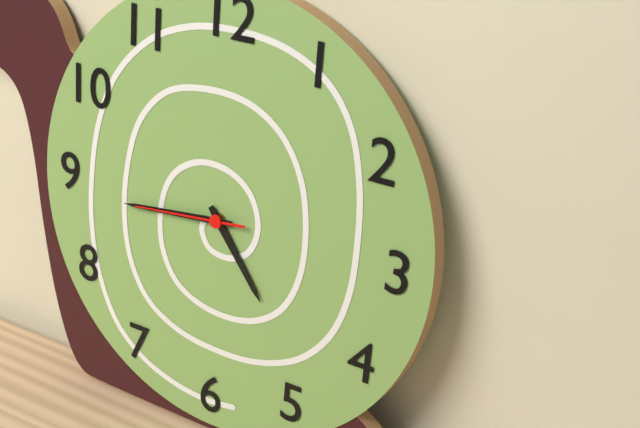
4:44:44
